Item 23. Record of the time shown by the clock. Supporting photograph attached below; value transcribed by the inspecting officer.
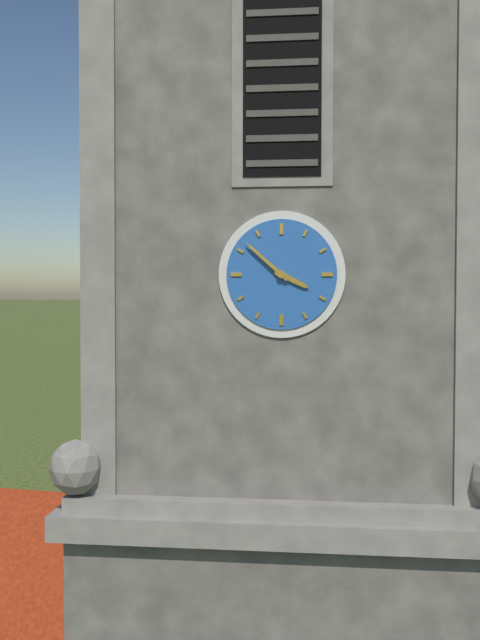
3:52
